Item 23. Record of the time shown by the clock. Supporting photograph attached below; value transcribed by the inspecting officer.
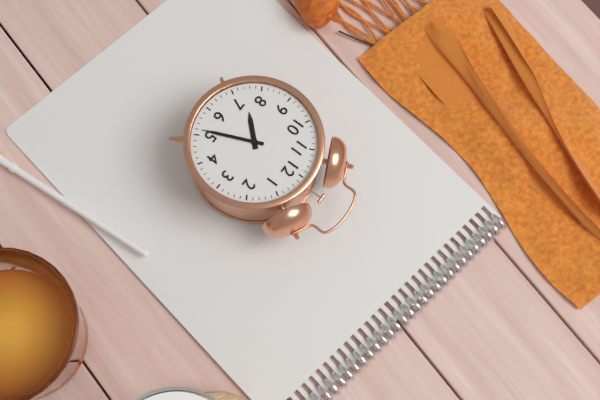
7:26
